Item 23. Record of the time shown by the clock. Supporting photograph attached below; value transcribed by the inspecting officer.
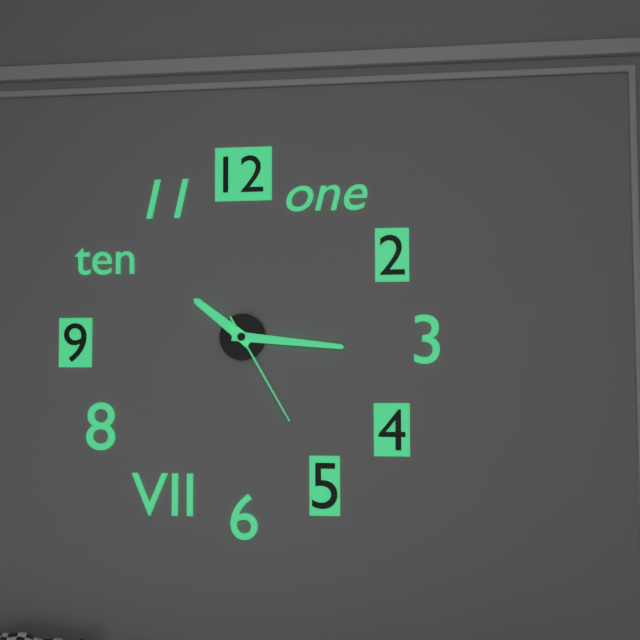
10:16:25
